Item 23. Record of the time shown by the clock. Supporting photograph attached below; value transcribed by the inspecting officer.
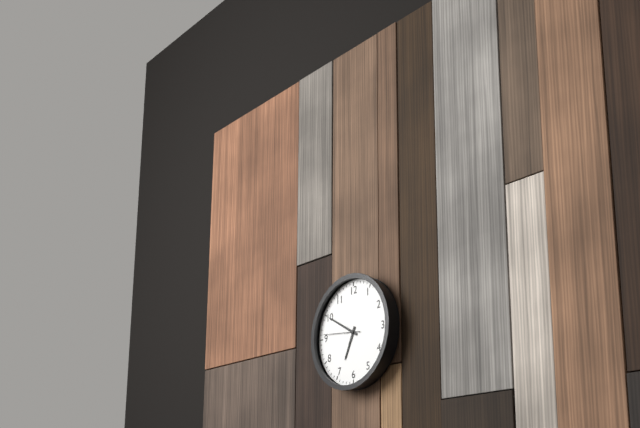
6:50
